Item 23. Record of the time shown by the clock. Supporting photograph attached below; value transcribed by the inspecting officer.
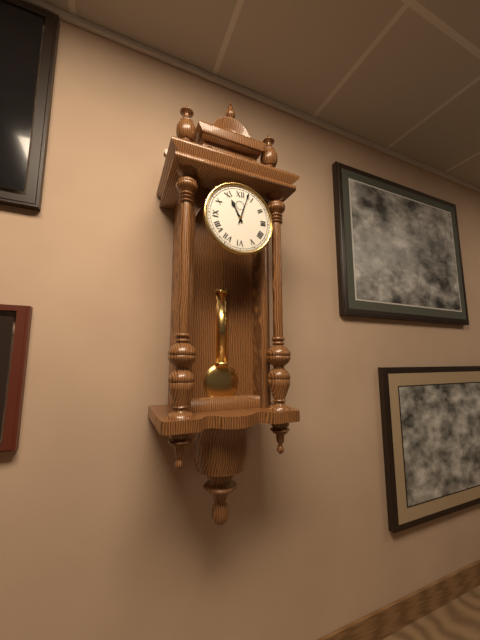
11:03
